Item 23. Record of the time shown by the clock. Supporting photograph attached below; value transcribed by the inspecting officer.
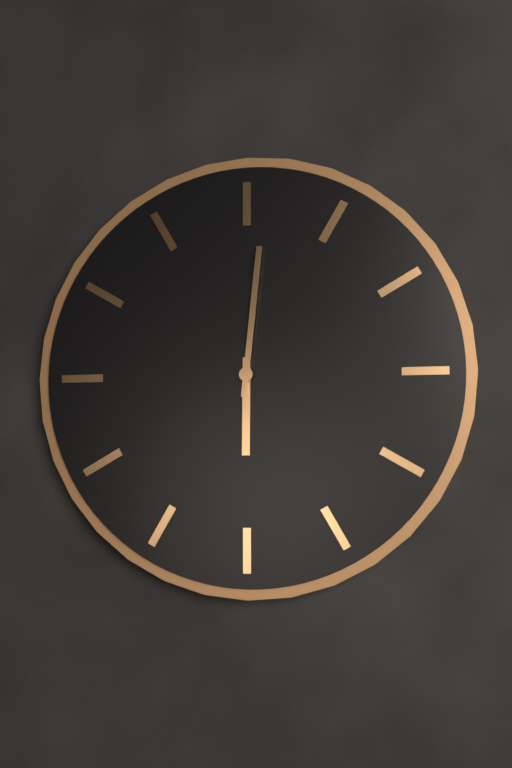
6:01
